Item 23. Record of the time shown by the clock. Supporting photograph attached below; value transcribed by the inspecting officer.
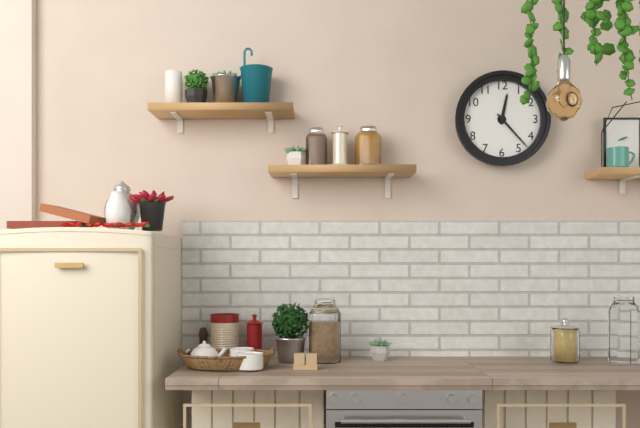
12:23
